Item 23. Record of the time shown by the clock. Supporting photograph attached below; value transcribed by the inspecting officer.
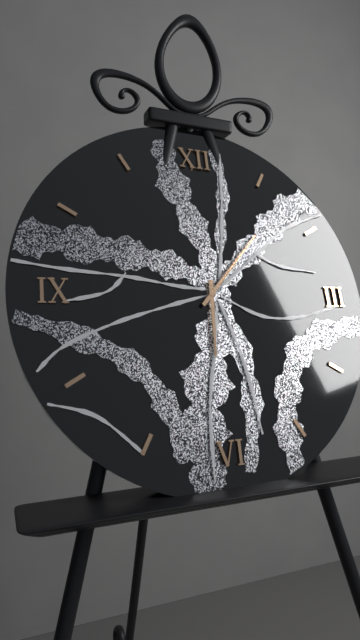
6:07
